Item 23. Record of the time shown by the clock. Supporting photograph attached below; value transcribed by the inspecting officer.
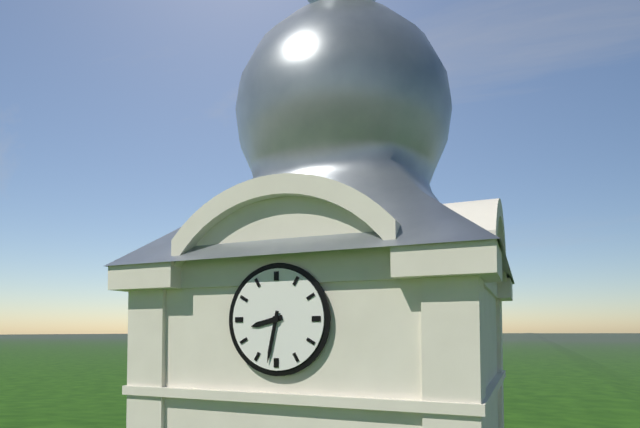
8:32
